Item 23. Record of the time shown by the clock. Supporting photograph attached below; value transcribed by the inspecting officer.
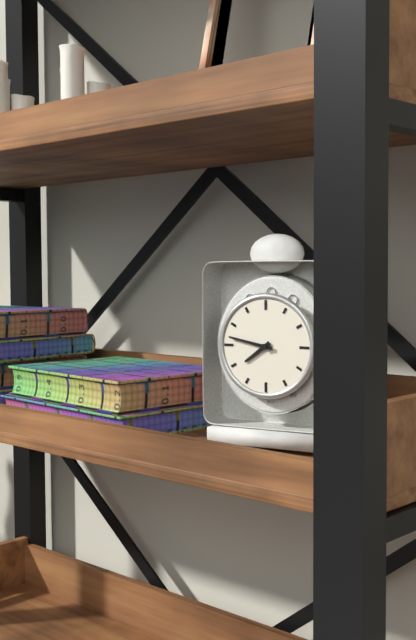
7:47
